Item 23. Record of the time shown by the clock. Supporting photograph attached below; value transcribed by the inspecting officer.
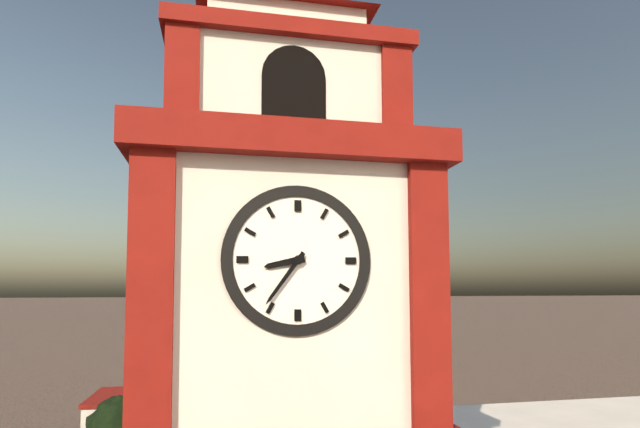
8:36
